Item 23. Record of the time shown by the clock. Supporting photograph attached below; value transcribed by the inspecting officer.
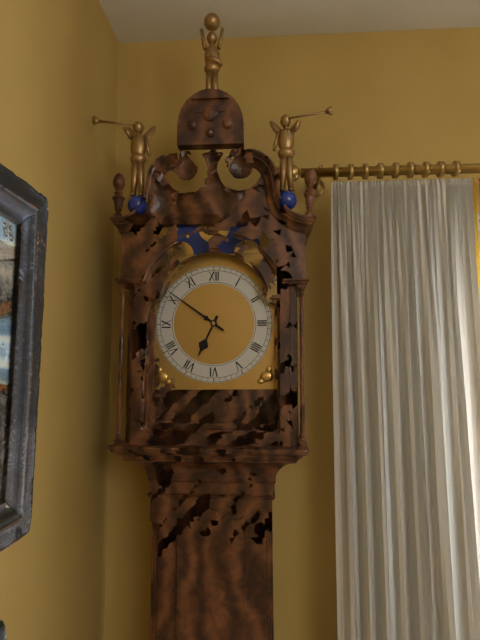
6:51
